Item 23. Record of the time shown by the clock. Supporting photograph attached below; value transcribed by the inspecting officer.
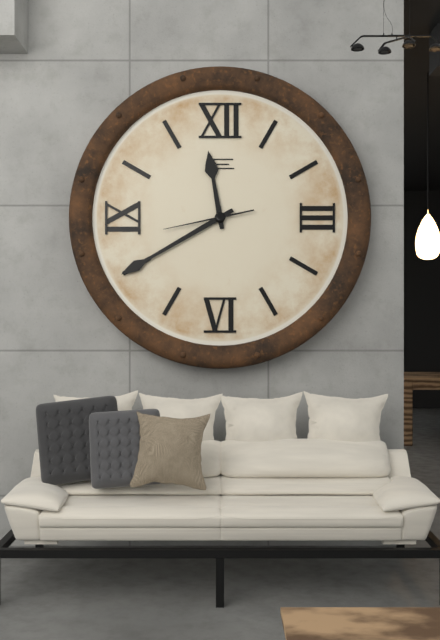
11:40:43
